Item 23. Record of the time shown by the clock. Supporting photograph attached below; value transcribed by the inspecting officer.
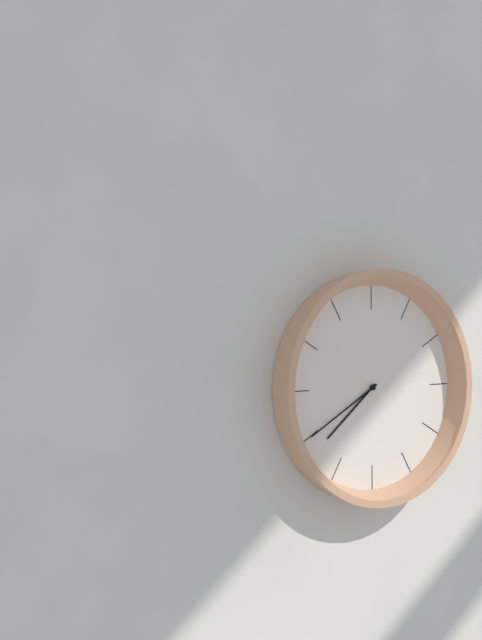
7:40
